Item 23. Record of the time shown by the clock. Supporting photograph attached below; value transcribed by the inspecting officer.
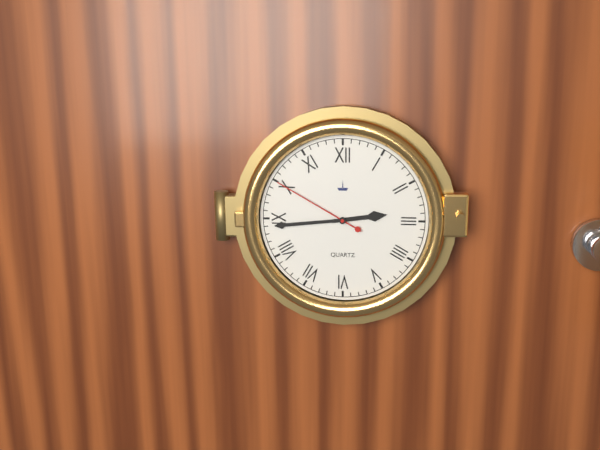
2:44:50
